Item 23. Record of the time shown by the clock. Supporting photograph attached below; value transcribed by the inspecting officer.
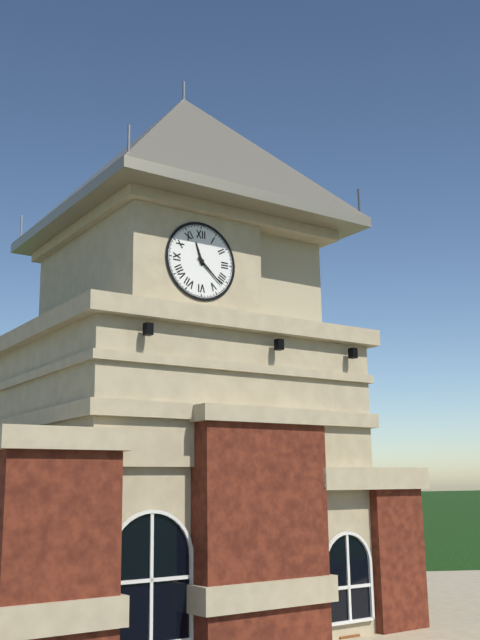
11:22
